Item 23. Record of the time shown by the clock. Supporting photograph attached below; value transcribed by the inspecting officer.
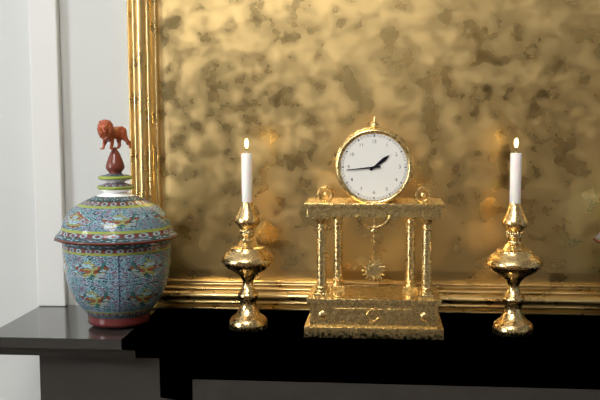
1:44
